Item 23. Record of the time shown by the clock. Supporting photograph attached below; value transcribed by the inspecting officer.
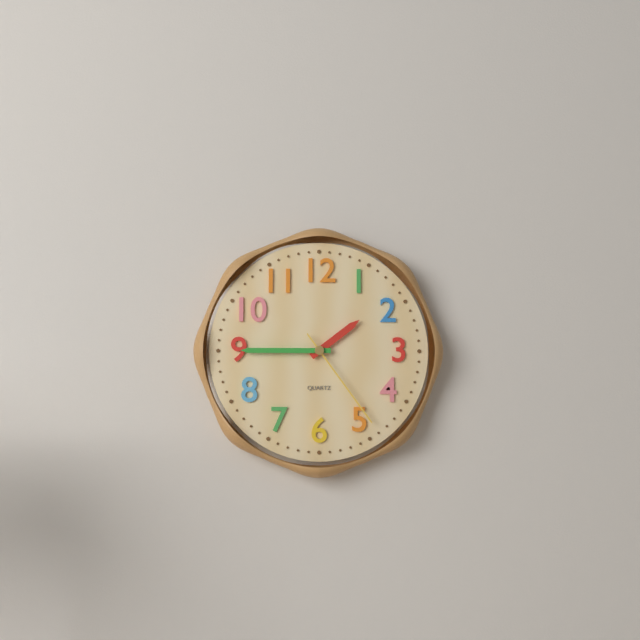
1:45:24
